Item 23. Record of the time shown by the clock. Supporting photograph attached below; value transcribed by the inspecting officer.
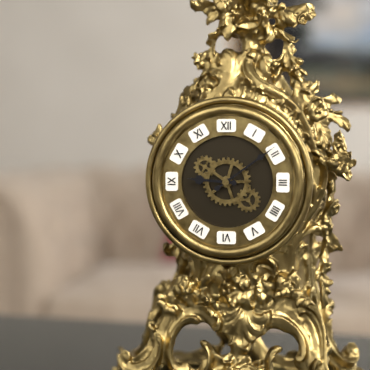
9:09
